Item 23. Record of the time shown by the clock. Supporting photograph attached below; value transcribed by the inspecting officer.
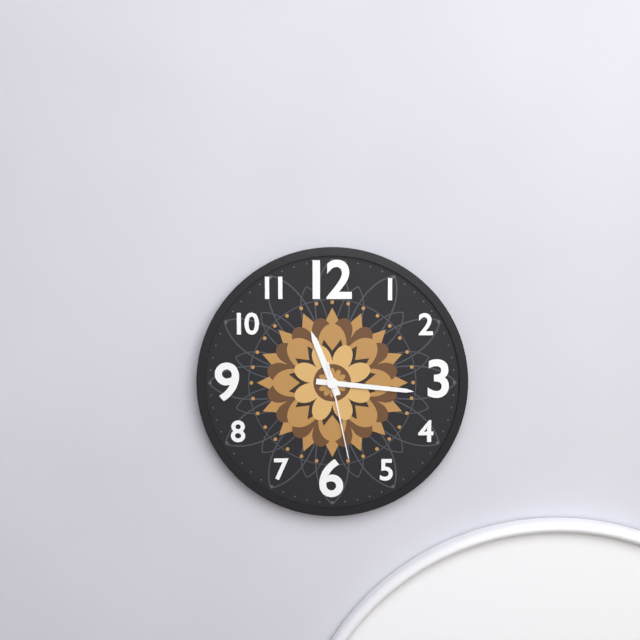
11:16:28
